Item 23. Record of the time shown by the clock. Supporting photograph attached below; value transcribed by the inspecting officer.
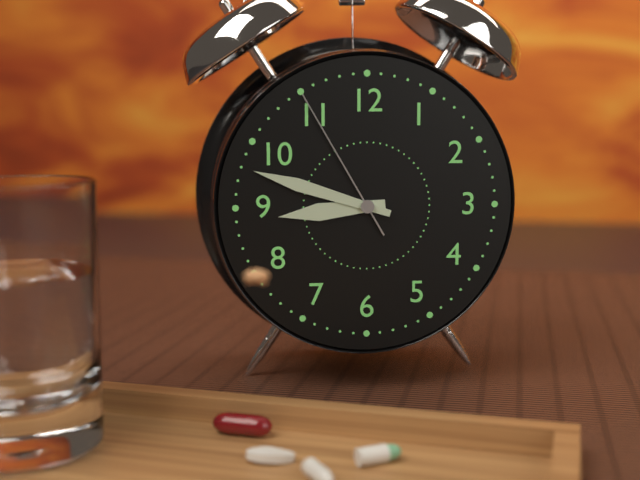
8:48:55
